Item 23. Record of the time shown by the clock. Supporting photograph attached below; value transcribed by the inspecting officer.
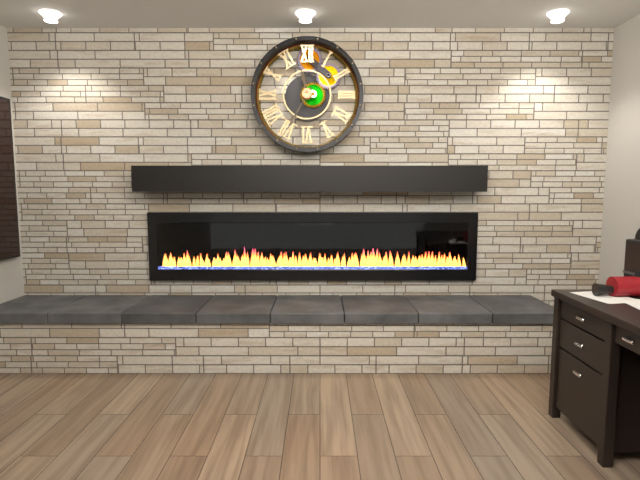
11:35
